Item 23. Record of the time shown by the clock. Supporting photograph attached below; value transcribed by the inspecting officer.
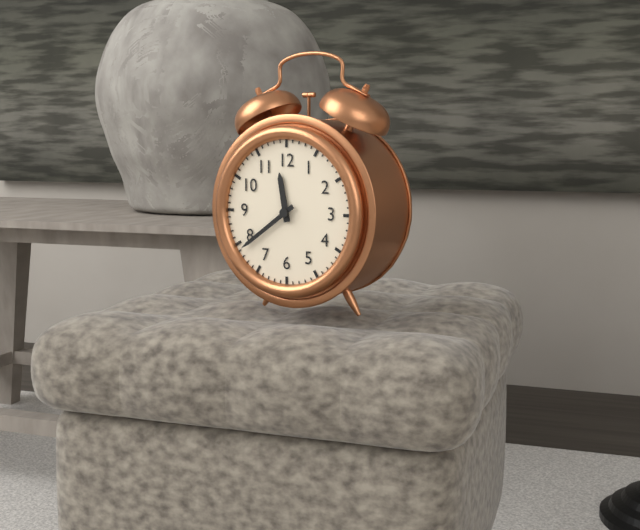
11:39
